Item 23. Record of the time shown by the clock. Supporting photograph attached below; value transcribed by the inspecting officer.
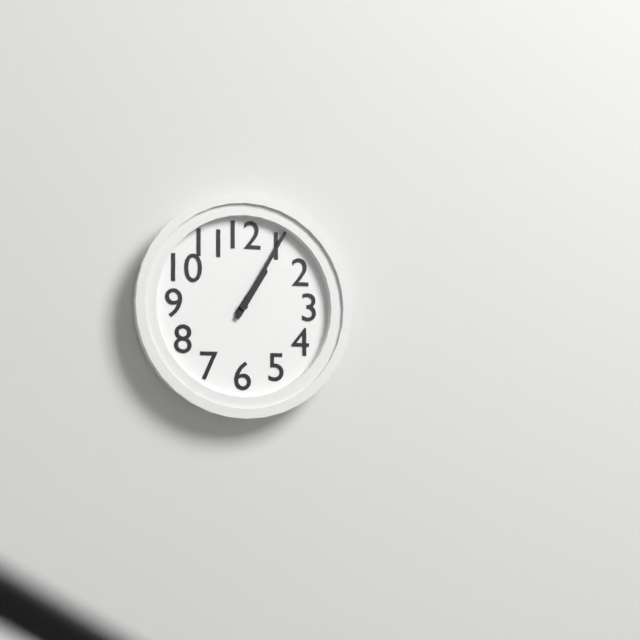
1:05
